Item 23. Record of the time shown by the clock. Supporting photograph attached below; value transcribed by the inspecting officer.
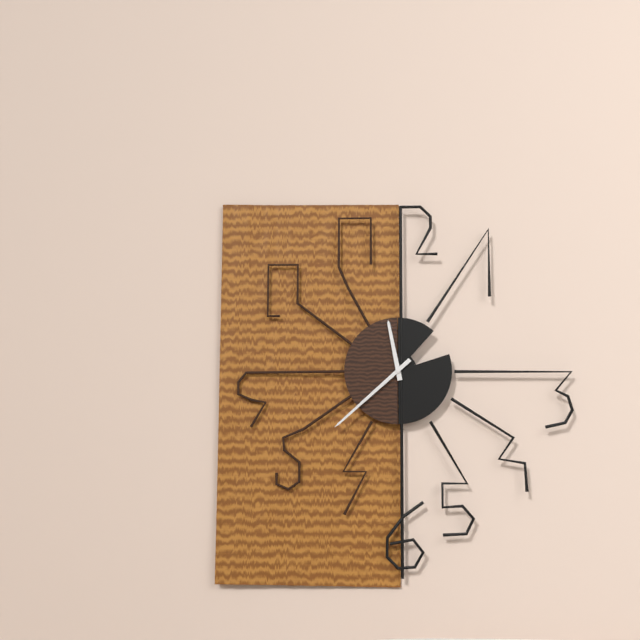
11:38
